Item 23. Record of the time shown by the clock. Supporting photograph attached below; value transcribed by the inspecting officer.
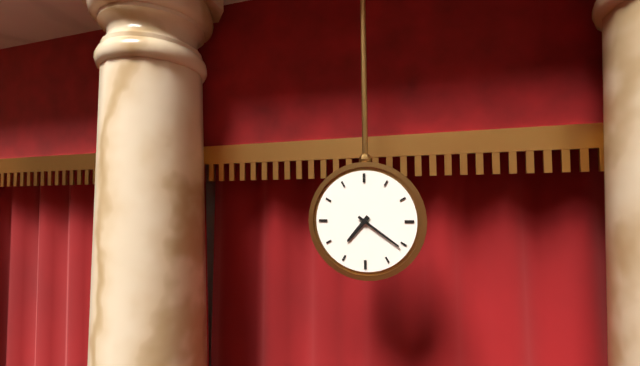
7:21
